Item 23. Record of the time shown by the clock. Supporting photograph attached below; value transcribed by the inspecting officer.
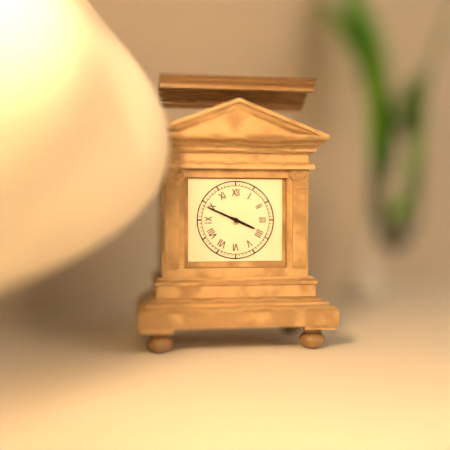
3:49
